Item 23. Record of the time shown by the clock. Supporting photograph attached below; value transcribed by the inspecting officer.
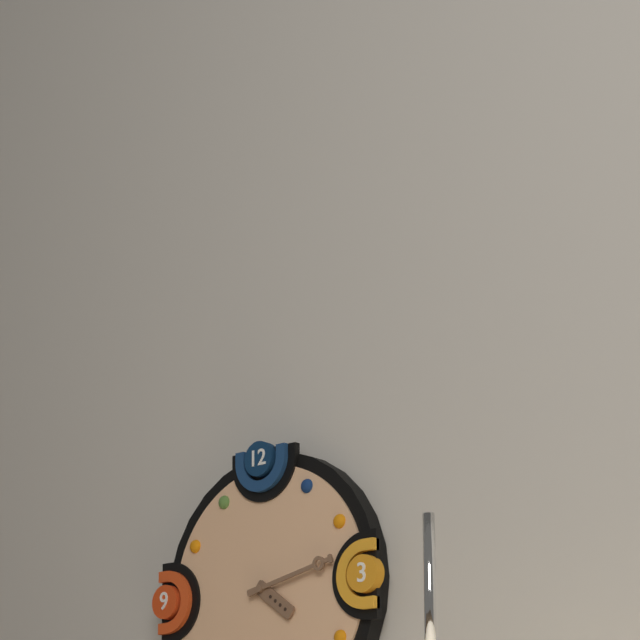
4:13
